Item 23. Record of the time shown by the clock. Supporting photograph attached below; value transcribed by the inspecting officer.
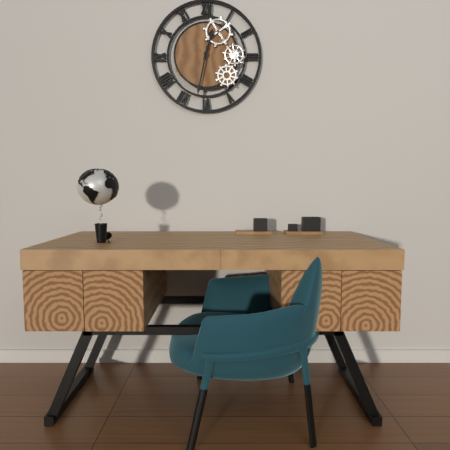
12:32
